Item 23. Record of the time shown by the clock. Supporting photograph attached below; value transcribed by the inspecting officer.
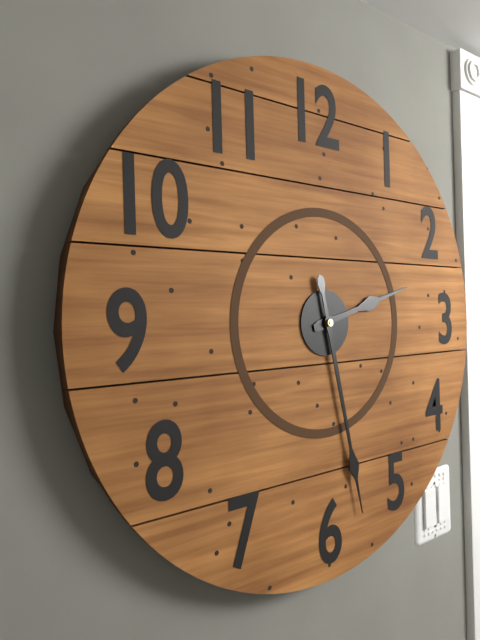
2:28
